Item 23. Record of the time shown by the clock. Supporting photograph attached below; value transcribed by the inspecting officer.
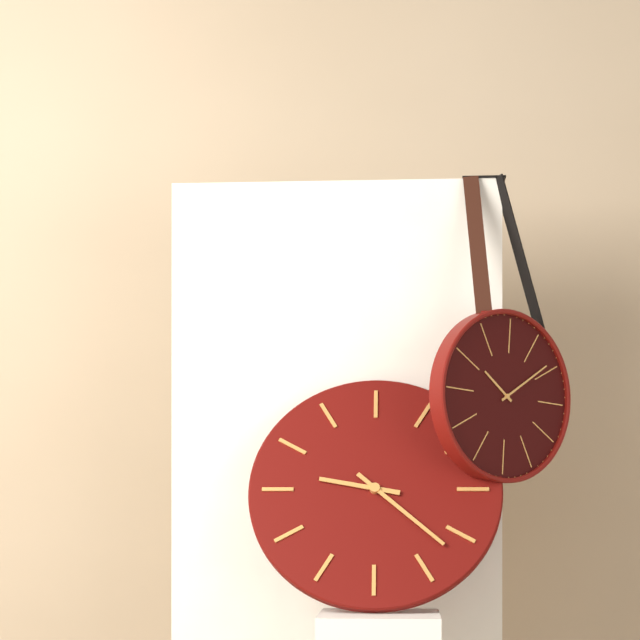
9:22
